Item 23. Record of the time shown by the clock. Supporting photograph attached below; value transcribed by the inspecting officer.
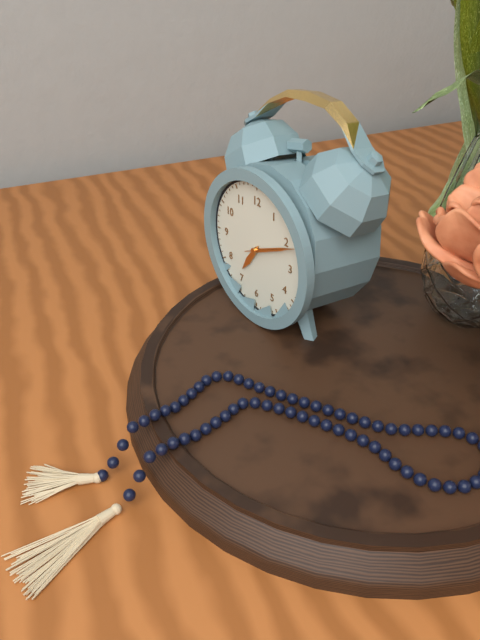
7:11
